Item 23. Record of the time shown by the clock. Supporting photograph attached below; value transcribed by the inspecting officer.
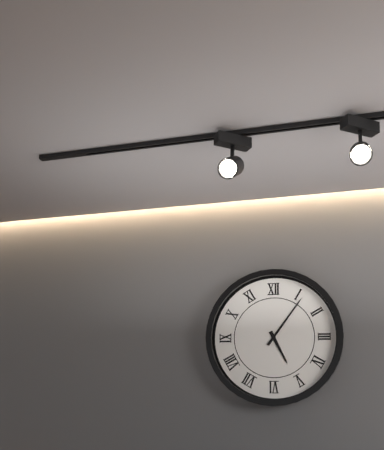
5:06
